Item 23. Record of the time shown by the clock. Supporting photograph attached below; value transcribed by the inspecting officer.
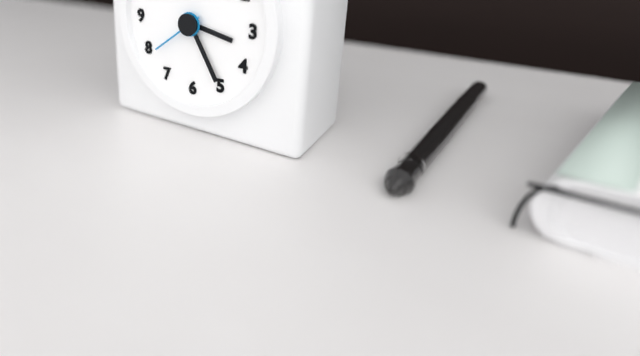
3:25:39
